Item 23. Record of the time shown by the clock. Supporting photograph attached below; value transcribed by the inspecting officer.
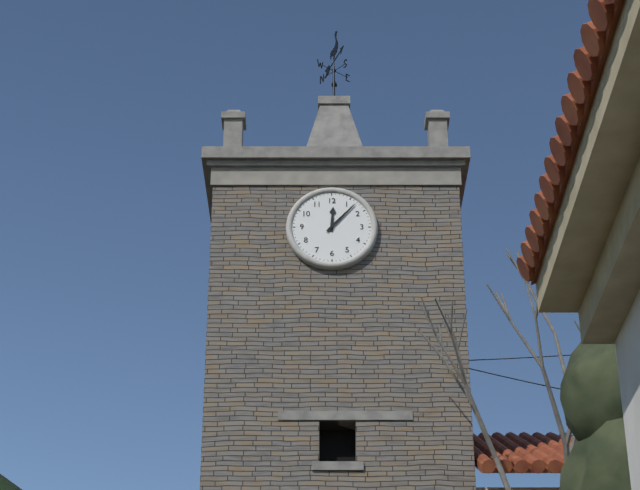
12:07
